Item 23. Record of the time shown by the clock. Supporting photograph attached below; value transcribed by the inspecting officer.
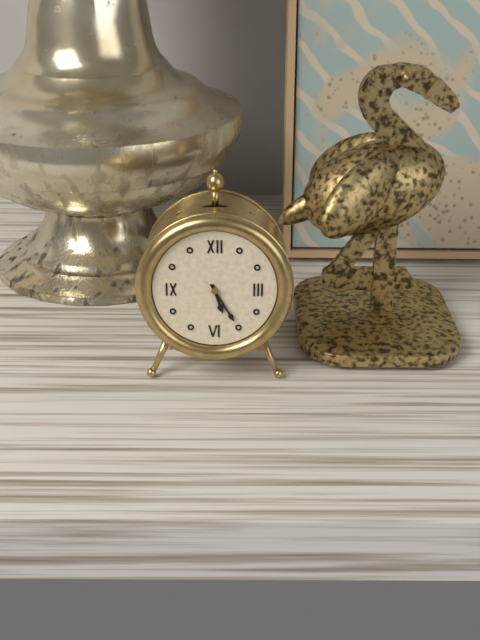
5:25
